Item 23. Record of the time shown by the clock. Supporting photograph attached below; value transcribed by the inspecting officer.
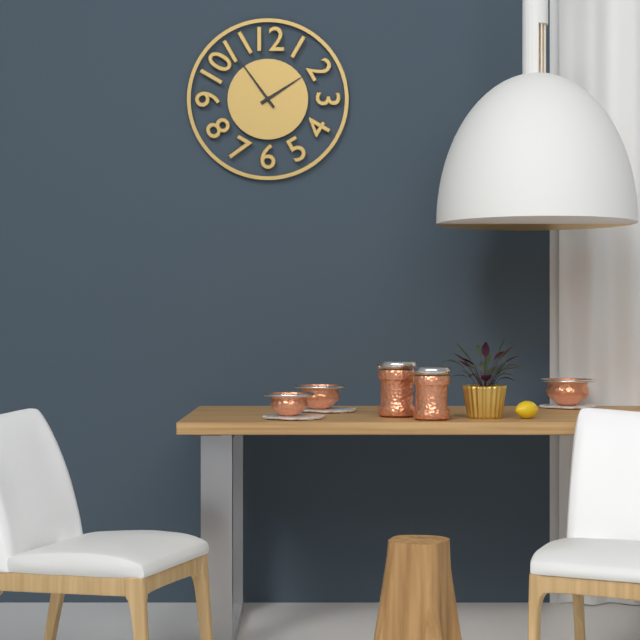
1:54
